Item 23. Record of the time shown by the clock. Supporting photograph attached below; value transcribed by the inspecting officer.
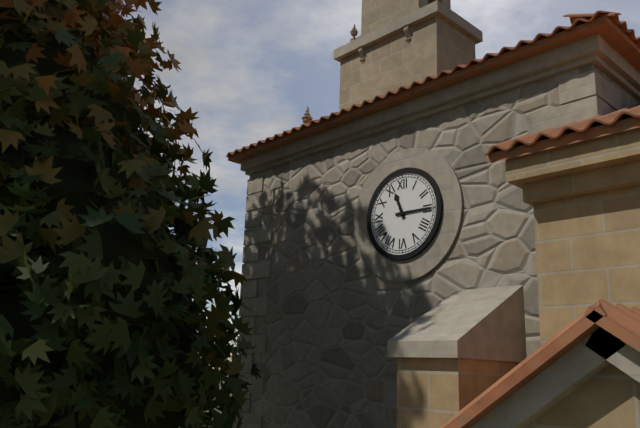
11:15
